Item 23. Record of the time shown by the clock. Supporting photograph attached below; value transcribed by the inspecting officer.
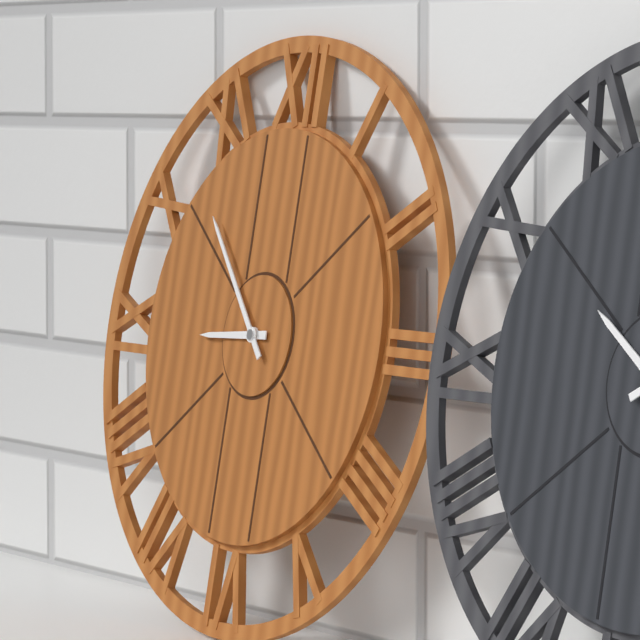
8:53
